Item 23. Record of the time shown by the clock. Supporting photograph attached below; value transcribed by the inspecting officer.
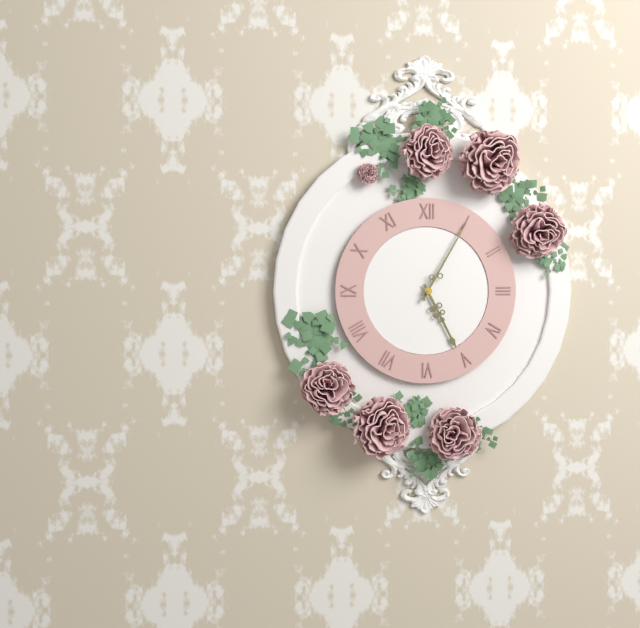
5:05
